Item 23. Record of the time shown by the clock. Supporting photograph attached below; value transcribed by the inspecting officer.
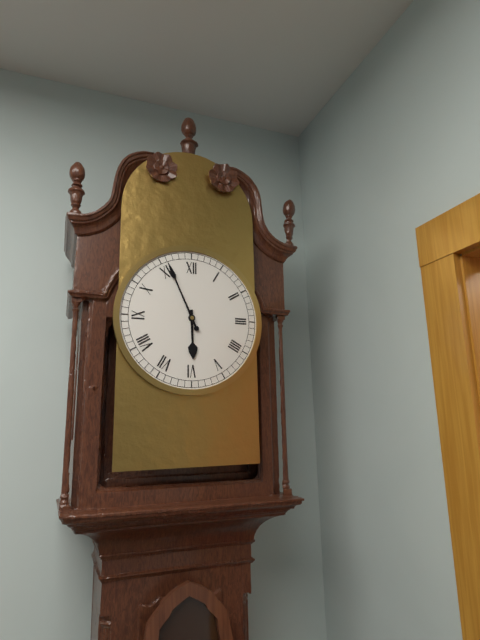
5:56
